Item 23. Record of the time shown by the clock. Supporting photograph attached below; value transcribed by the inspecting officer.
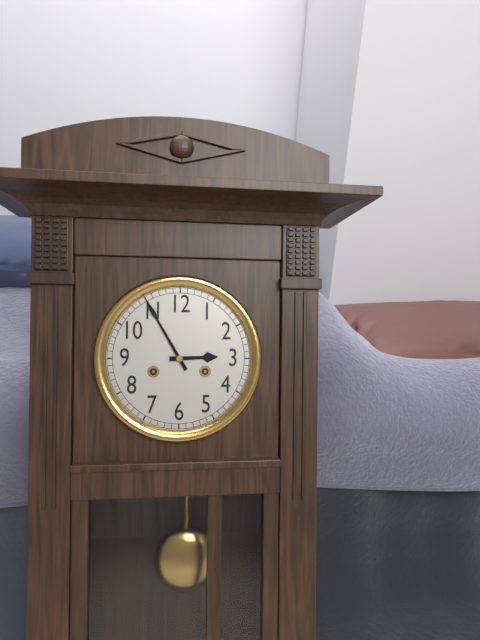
2:55
